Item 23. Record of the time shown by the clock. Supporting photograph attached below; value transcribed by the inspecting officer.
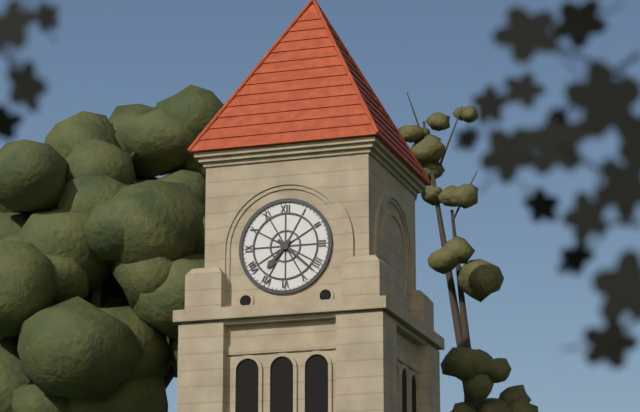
7:22
